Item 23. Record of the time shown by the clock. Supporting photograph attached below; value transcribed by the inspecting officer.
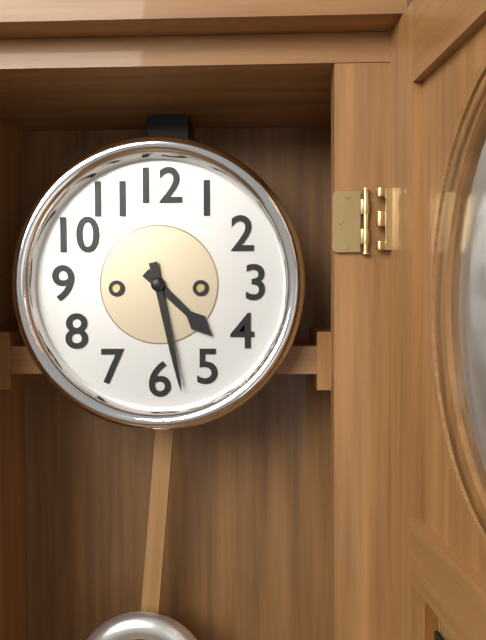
4:28
